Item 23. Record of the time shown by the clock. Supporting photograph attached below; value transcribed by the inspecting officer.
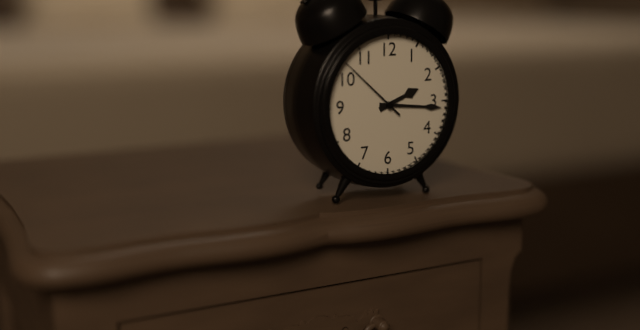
2:16:52
